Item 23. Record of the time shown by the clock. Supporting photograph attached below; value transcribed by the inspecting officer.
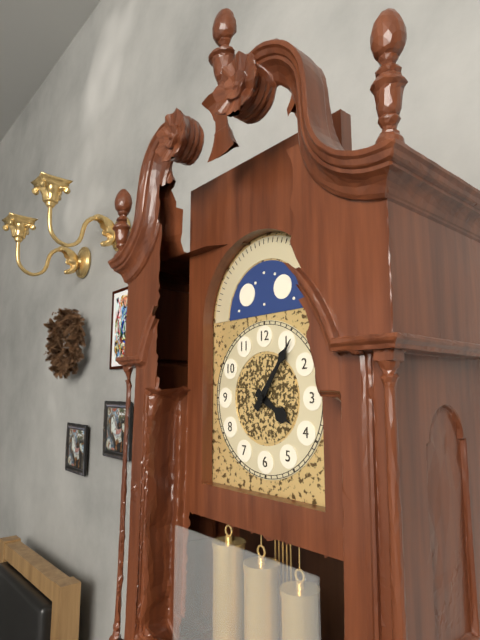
4:06
